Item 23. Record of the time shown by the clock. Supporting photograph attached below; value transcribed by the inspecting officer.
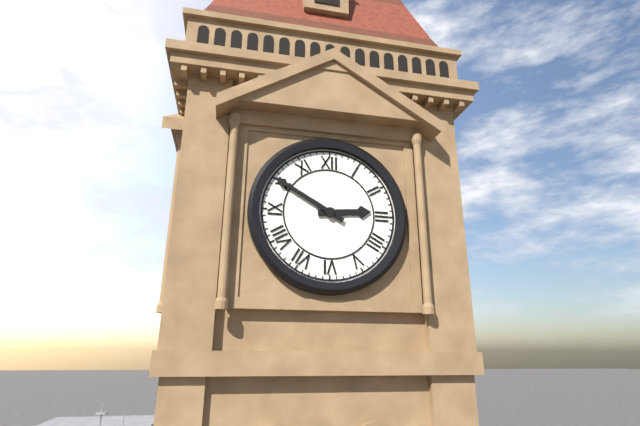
2:50
